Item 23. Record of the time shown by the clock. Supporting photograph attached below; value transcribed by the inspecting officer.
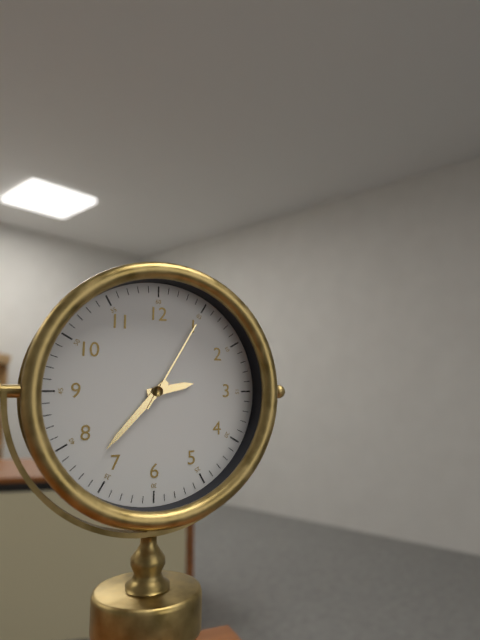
2:37:05
